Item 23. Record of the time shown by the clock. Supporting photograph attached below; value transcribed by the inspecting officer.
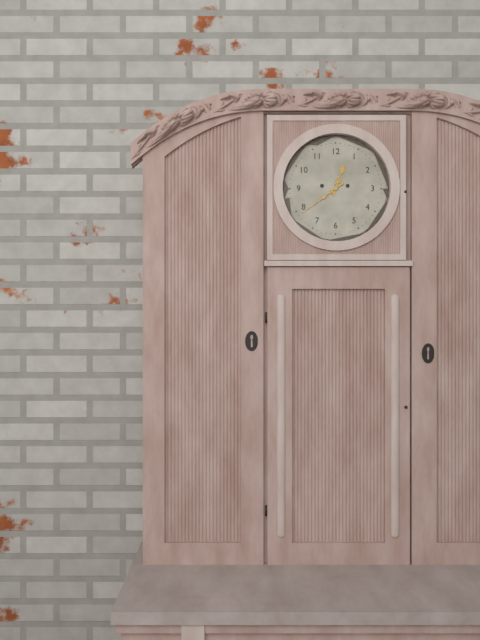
12:39
